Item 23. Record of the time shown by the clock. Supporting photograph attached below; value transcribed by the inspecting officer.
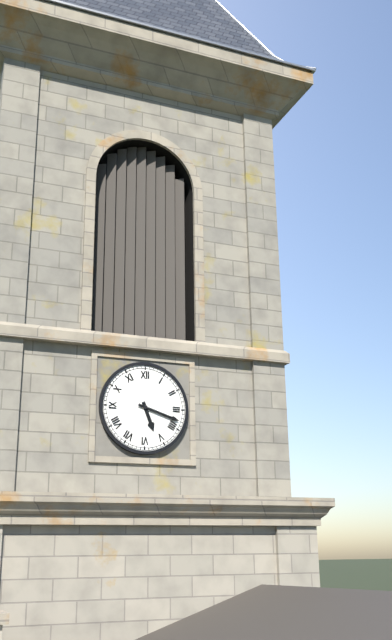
5:18
